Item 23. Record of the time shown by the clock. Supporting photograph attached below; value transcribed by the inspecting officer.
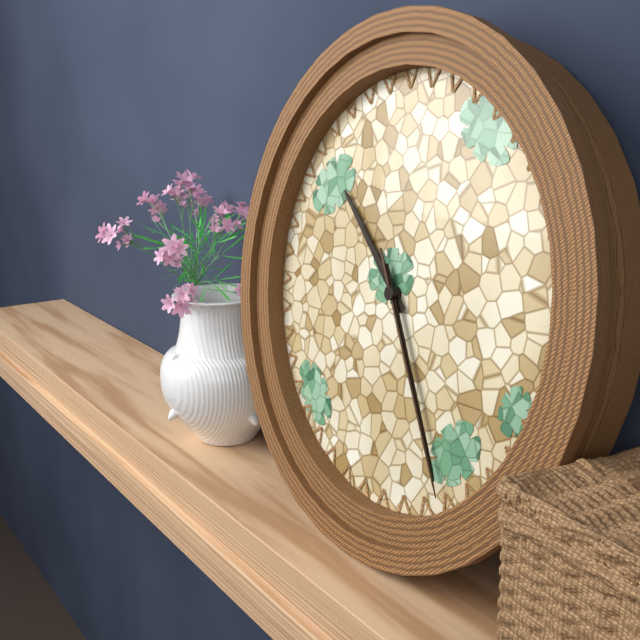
10:25:25
